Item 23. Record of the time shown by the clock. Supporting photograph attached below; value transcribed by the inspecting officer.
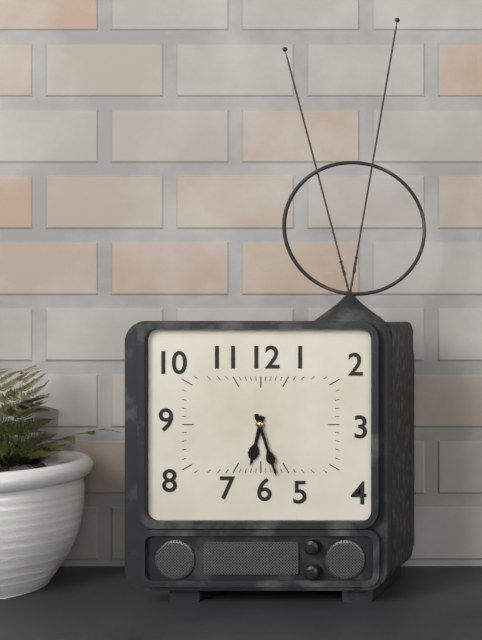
6:27
